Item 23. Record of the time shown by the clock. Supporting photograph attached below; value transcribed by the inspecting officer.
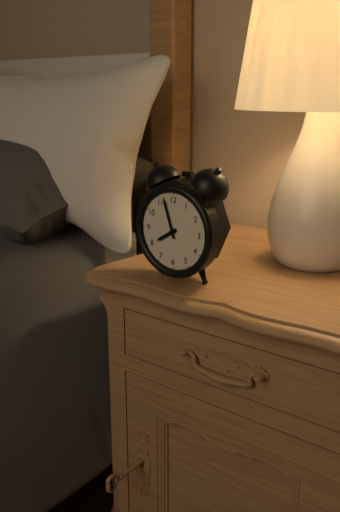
7:57
